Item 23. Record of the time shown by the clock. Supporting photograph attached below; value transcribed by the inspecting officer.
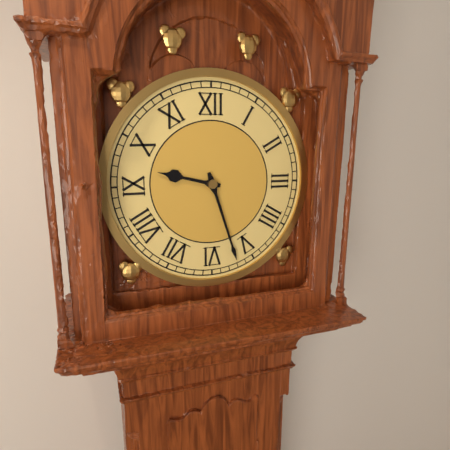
9:27
